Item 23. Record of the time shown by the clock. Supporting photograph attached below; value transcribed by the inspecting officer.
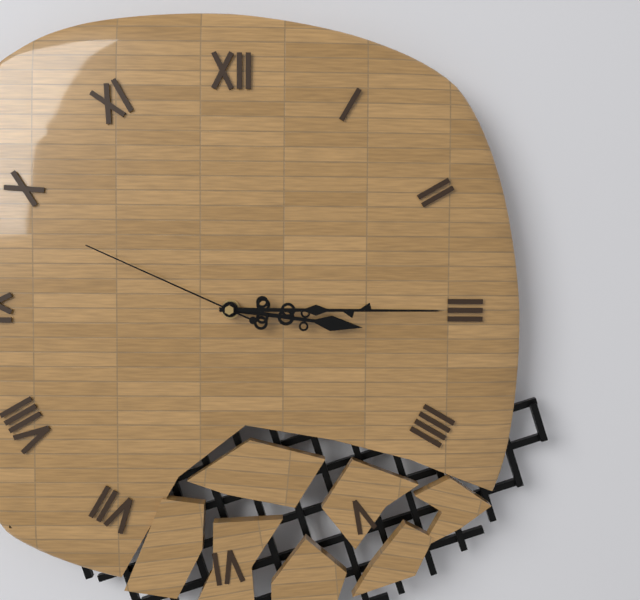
3:15:49
